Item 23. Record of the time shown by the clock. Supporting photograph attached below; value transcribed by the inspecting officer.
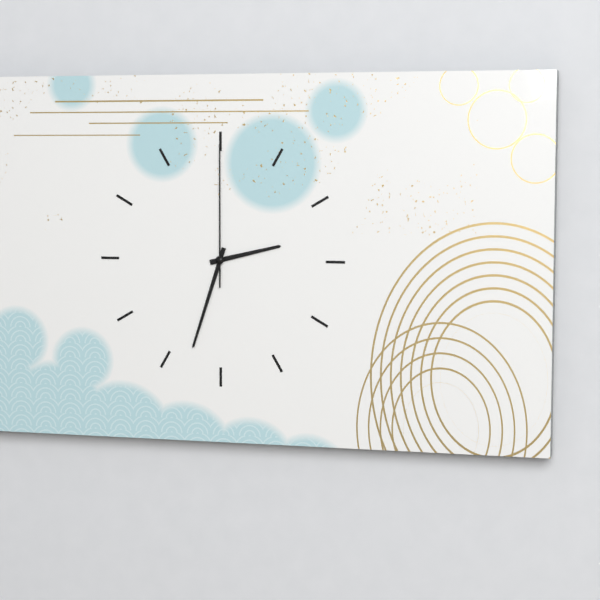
2:33:00
